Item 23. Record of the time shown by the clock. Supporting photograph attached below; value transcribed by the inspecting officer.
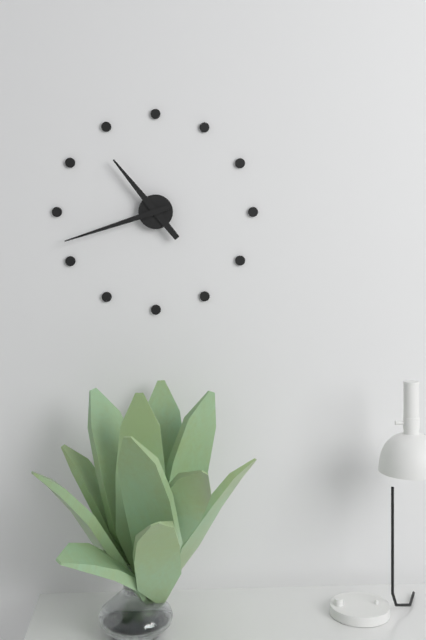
10:42
